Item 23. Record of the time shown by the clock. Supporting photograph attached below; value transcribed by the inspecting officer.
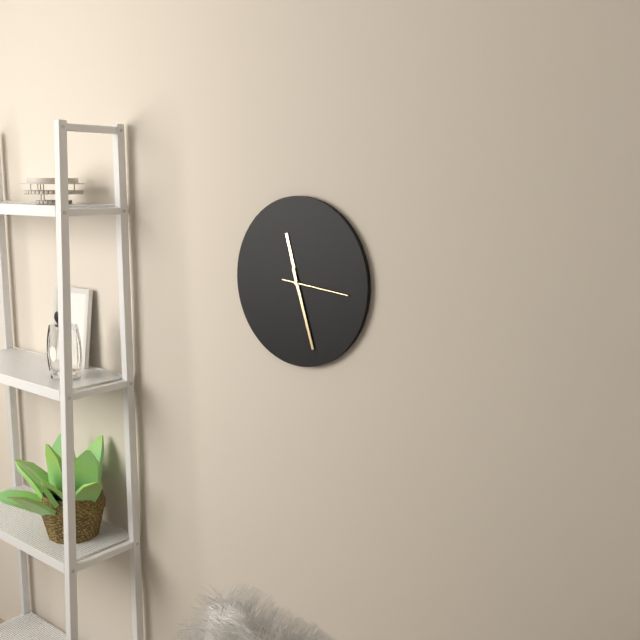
11:27:16
